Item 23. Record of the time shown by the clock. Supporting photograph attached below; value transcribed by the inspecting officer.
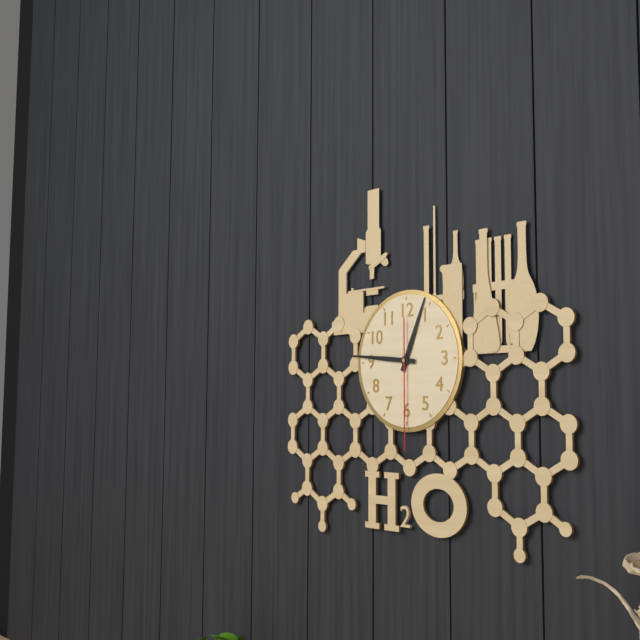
12:46:30
